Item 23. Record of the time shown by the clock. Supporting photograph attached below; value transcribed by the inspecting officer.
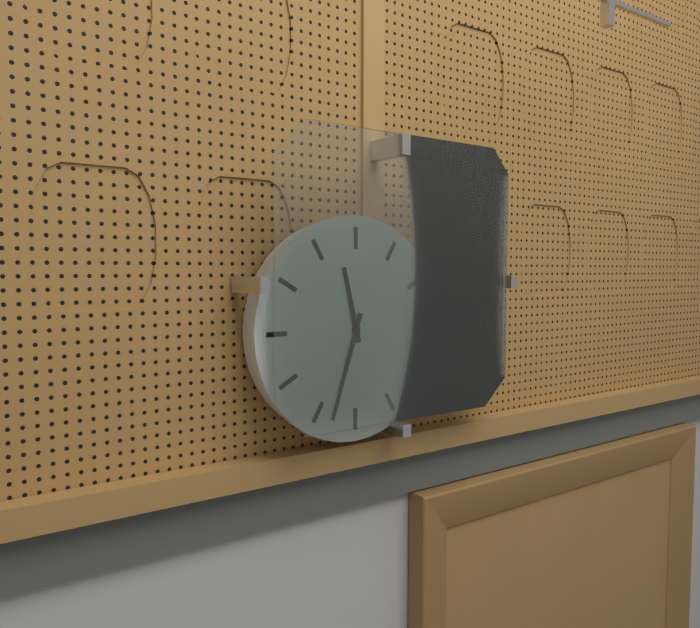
11:33
